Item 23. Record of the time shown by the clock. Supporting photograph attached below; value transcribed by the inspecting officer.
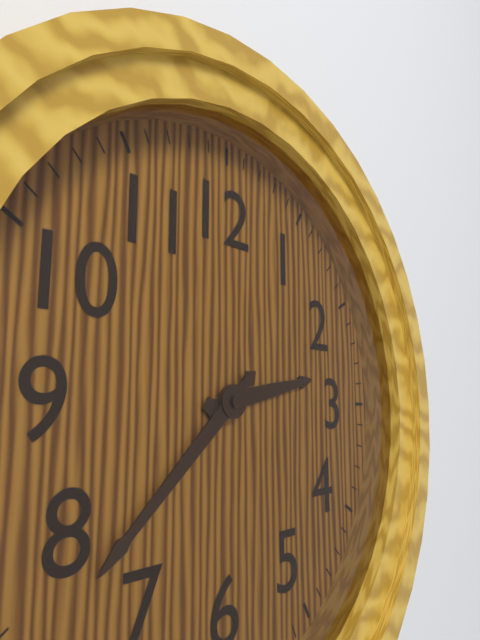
2:38
